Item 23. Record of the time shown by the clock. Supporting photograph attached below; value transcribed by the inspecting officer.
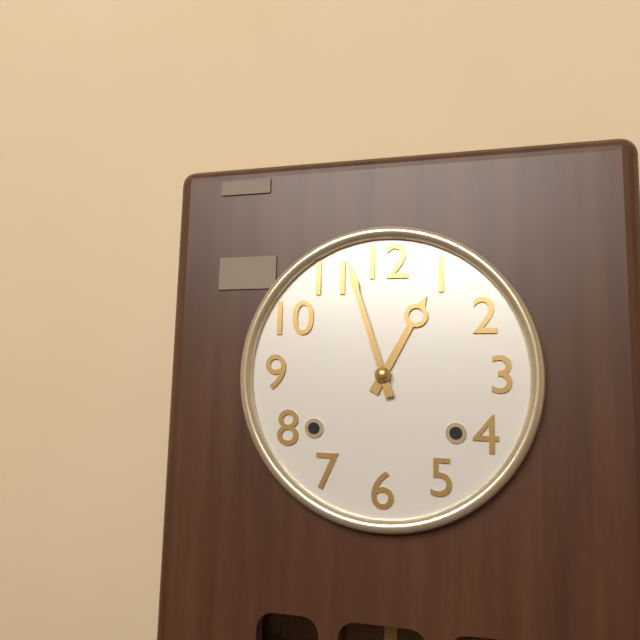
12:57
